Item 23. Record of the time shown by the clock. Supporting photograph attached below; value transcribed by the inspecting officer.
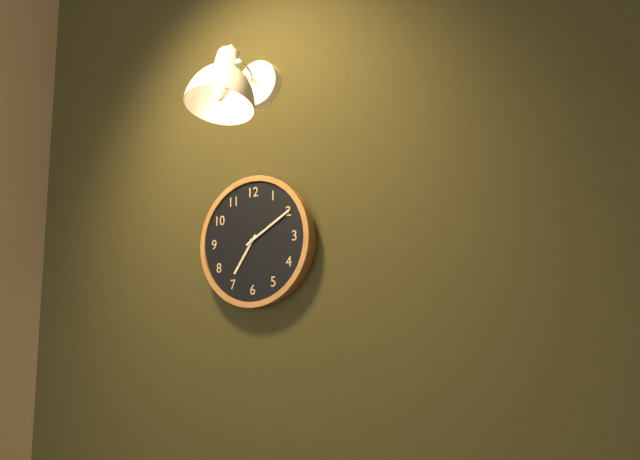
7:10
